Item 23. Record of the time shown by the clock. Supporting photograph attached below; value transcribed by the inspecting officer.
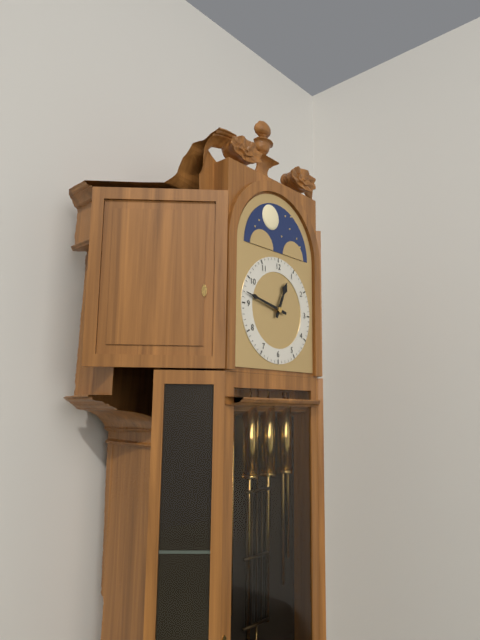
12:47
